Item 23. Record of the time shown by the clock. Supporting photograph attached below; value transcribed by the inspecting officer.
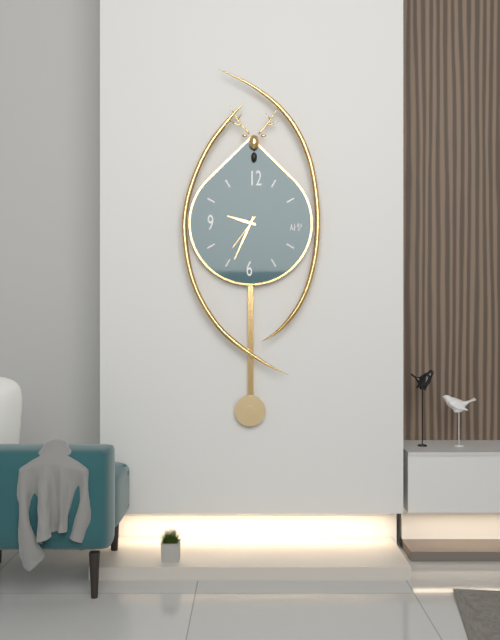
9:34
